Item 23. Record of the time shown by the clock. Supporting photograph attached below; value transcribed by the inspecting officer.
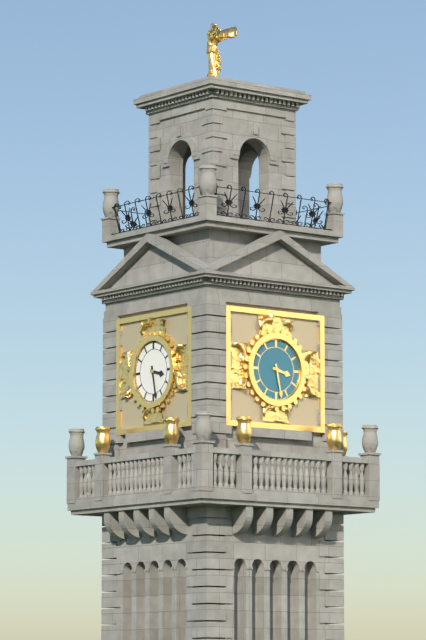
3:28
